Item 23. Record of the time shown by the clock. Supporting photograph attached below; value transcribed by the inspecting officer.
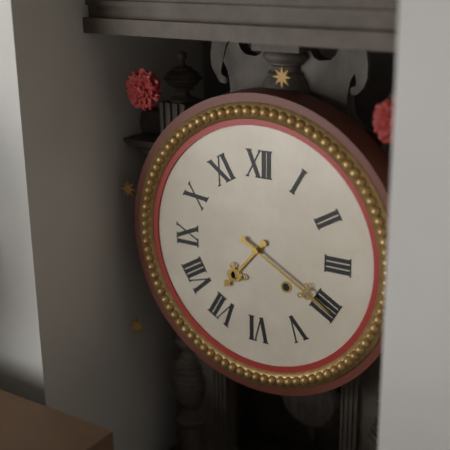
7:20
